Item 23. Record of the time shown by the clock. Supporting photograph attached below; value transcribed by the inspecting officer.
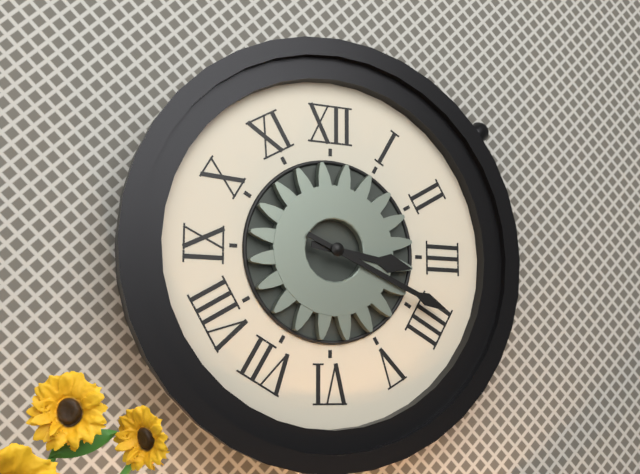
3:19
